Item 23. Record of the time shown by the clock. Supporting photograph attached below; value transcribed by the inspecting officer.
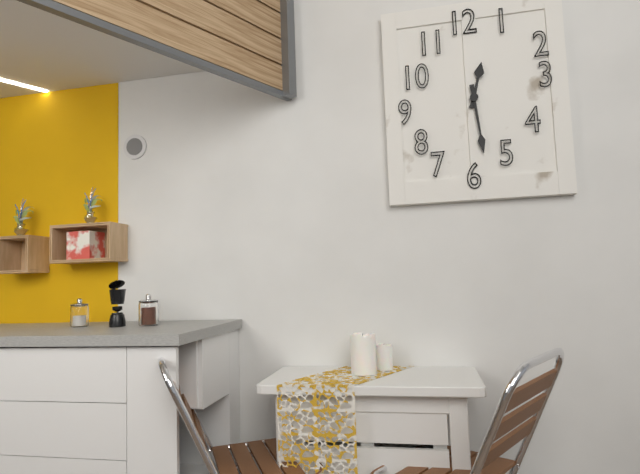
12:29
